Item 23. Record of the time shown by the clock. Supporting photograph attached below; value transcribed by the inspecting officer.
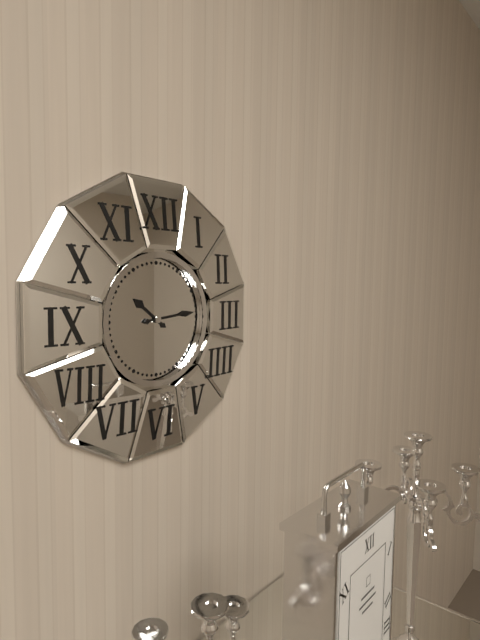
10:14
